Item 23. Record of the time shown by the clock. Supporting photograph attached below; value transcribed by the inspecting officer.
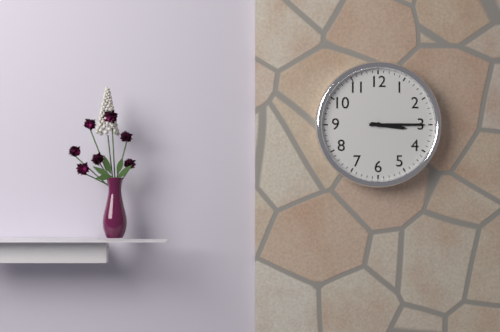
3:15
